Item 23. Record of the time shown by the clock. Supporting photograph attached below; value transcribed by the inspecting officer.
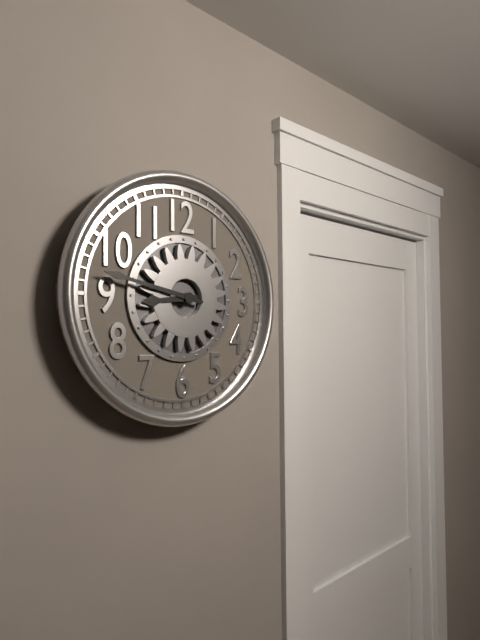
8:47
